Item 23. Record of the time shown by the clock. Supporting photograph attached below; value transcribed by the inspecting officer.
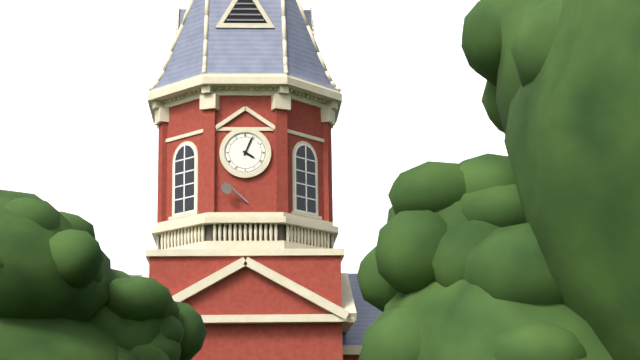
4:04
